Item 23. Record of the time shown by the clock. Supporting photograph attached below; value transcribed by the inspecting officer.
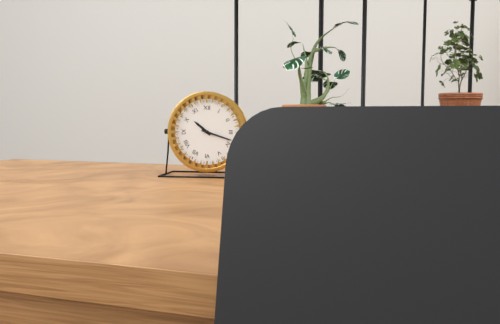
10:18
